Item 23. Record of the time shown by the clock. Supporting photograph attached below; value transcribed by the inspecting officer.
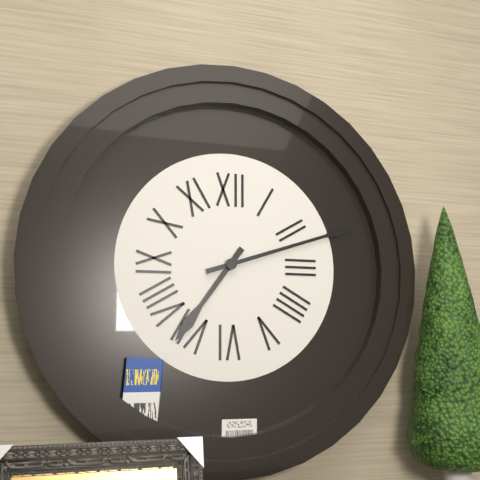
7:12
